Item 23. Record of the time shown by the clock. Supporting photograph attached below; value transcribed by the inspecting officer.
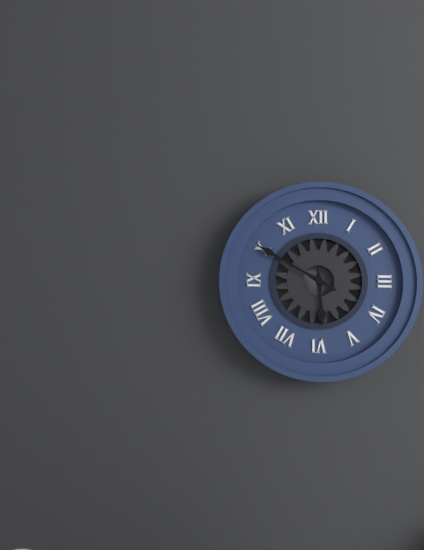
5:50
